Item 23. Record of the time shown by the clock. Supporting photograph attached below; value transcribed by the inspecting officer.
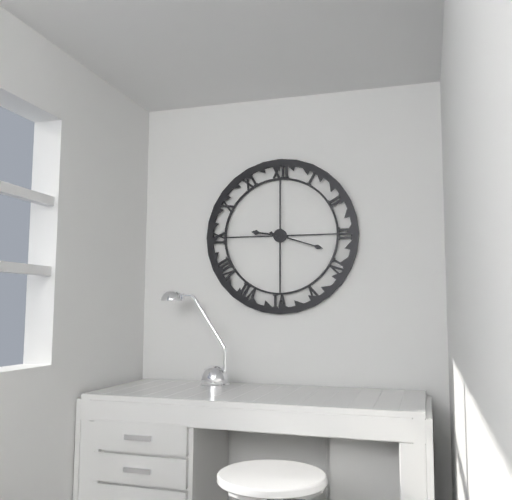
9:18
